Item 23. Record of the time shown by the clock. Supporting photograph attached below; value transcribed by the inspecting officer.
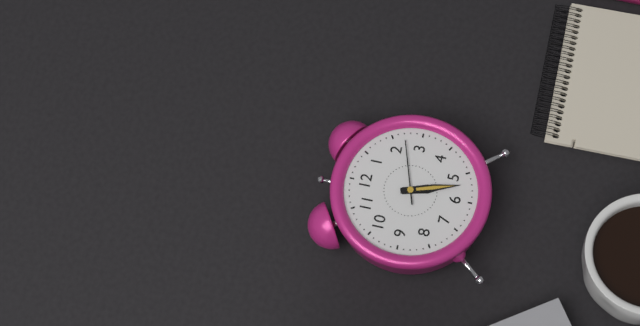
5:27:12
